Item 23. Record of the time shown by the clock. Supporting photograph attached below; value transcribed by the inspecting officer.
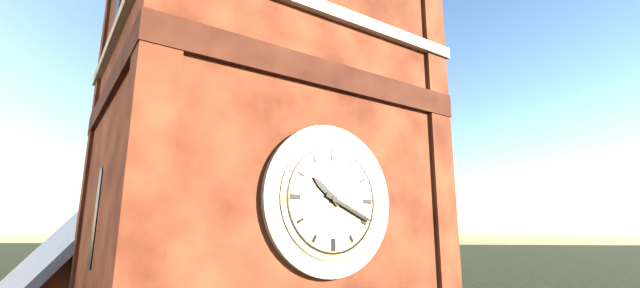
10:19
